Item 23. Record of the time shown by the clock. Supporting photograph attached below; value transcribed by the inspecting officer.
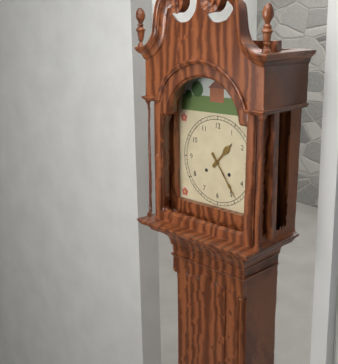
1:24
